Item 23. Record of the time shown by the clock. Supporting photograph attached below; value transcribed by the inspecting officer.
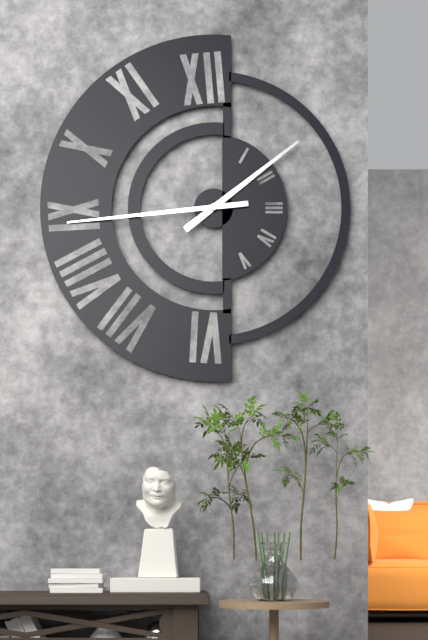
1:44
